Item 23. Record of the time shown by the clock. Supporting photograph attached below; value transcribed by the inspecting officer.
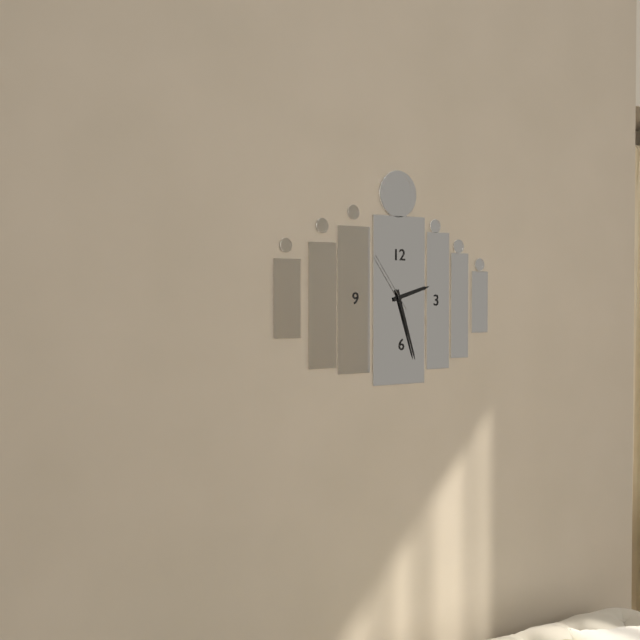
2:27:54
